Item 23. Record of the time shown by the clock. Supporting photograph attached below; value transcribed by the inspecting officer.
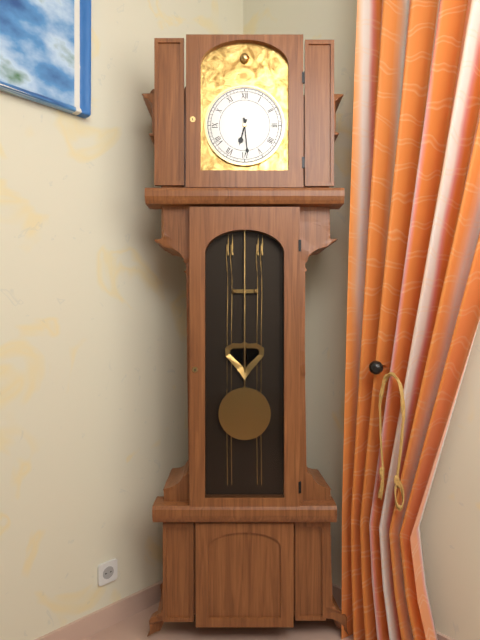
6:29
